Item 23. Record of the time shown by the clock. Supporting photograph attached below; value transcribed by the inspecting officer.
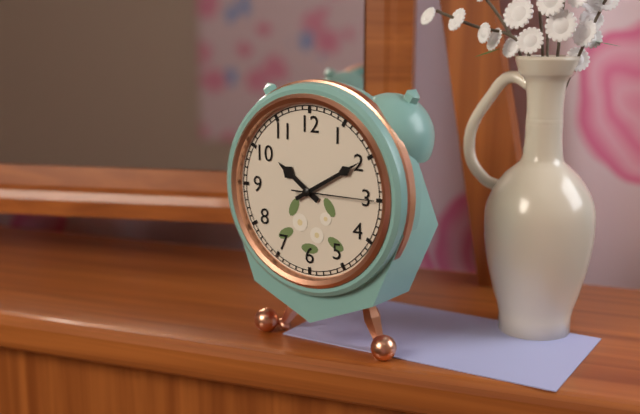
10:10:15
